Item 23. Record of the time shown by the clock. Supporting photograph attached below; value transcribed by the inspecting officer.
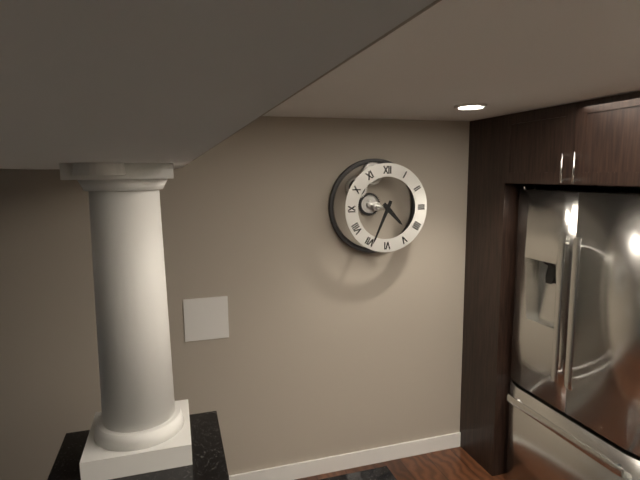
4:34
